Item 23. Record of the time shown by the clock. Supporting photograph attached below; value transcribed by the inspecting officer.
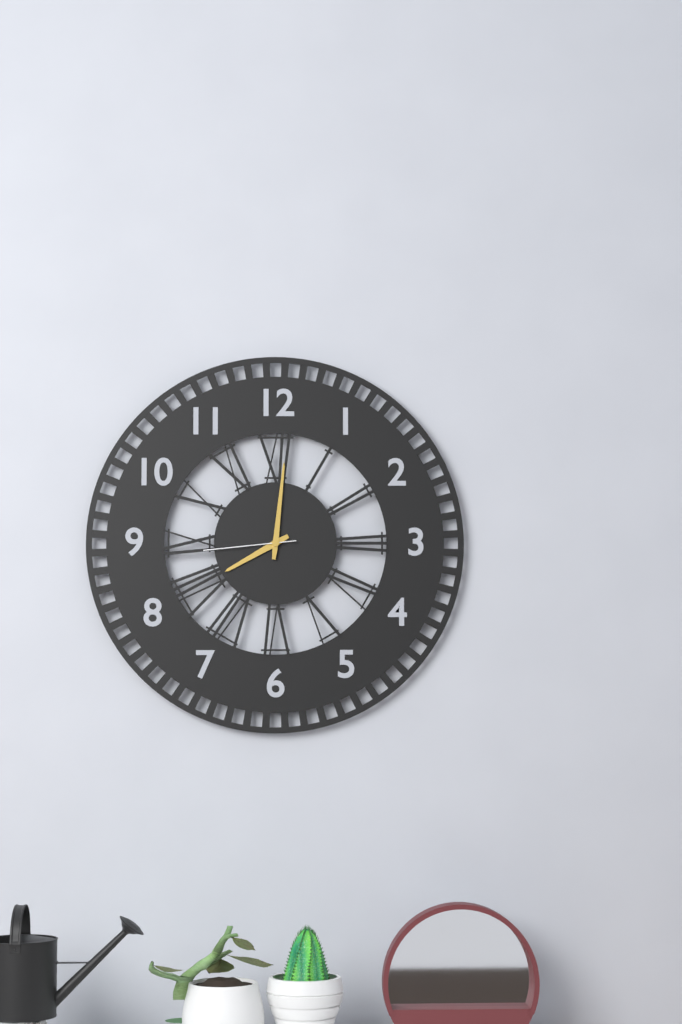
8:01:44
